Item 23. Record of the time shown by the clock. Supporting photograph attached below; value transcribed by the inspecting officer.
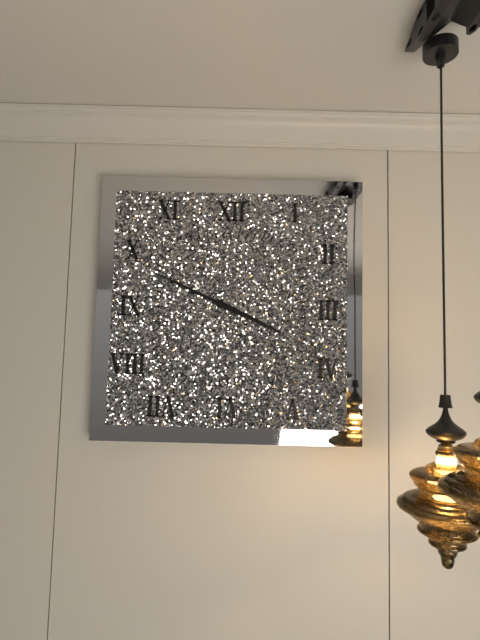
3:49
